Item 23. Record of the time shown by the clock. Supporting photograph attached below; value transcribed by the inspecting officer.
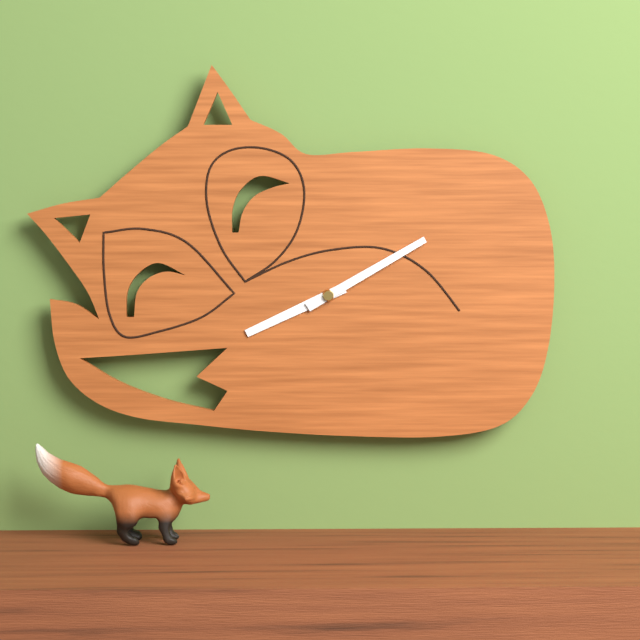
8:10
